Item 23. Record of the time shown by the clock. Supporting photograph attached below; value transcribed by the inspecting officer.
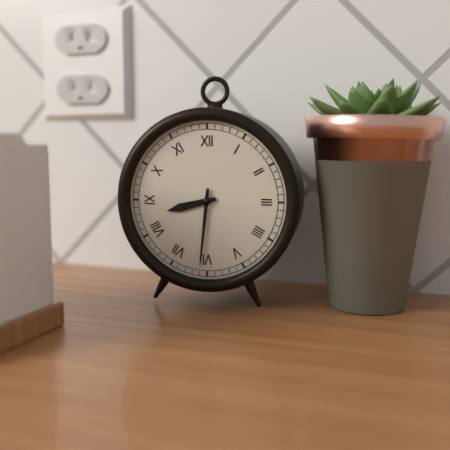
8:31
